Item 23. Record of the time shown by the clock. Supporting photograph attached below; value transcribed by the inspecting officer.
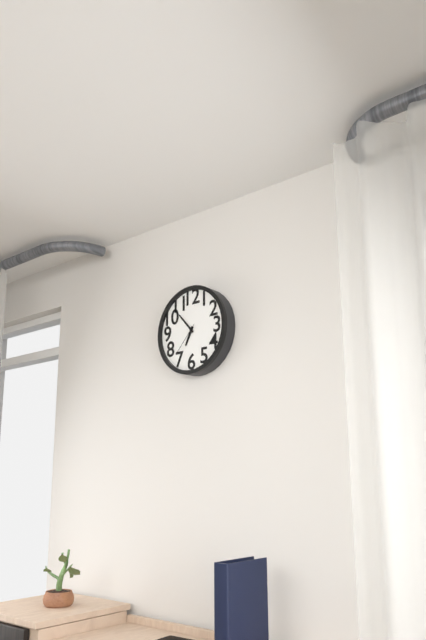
6:53
